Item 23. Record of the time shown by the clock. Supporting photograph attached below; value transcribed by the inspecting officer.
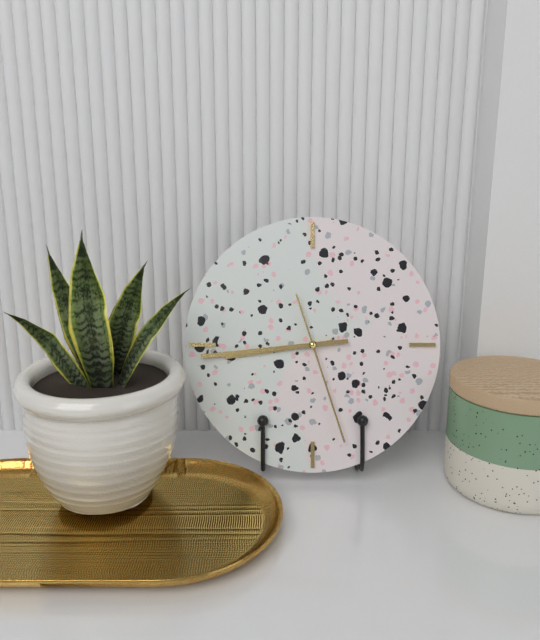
8:44:27
